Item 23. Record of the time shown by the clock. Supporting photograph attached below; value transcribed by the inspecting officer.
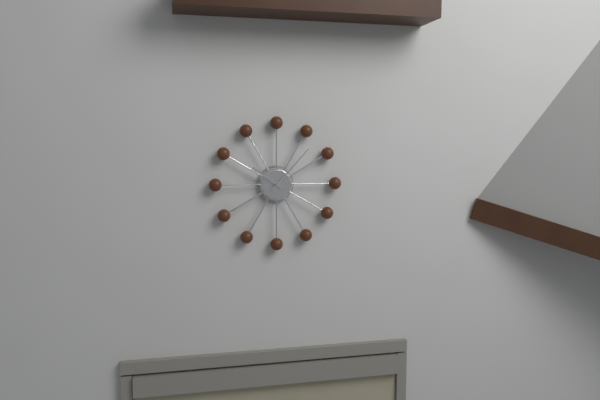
10:07
